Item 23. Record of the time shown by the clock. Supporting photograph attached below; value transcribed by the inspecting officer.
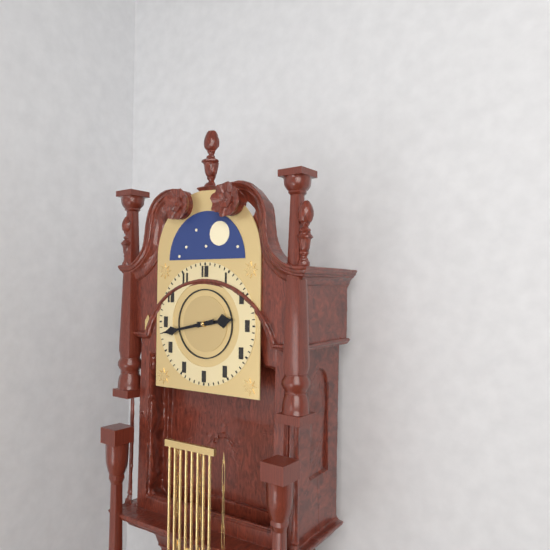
2:43
